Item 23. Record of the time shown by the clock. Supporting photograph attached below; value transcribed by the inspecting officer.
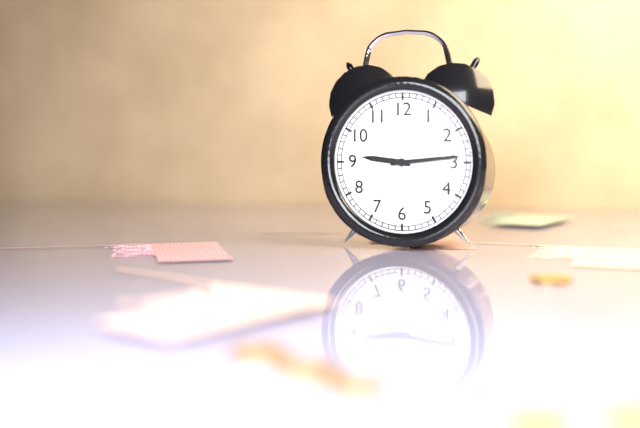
9:14
